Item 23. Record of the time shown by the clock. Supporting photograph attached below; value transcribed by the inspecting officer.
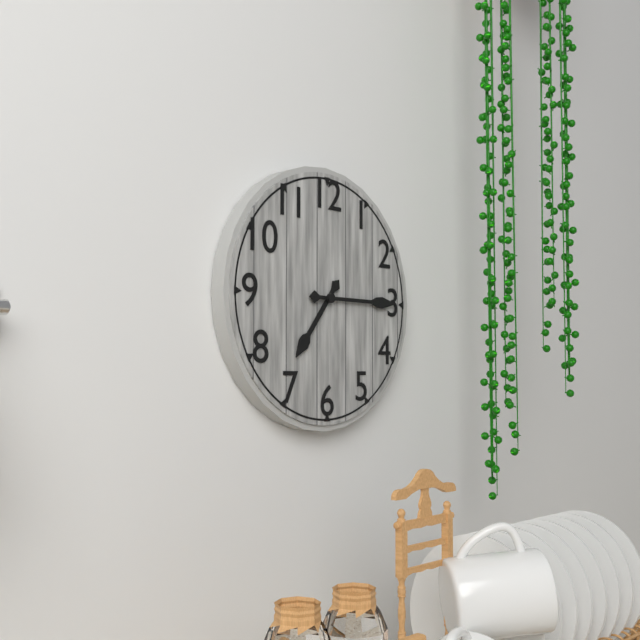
7:15
